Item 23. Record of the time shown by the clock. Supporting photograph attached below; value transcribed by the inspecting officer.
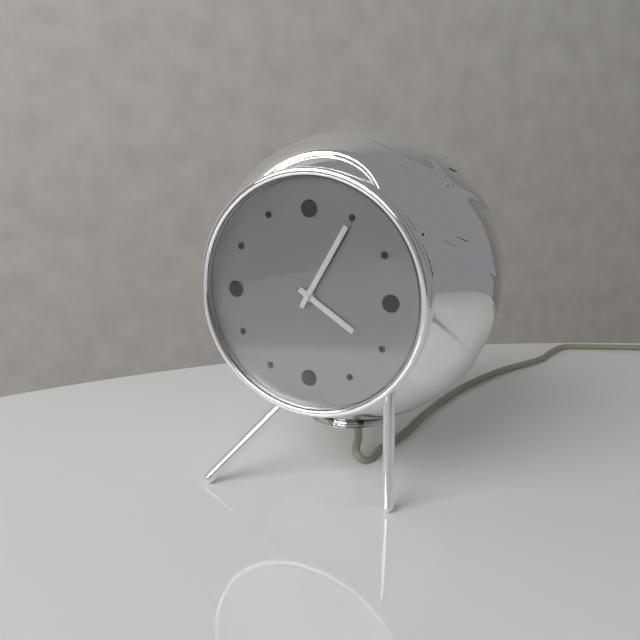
4:05
